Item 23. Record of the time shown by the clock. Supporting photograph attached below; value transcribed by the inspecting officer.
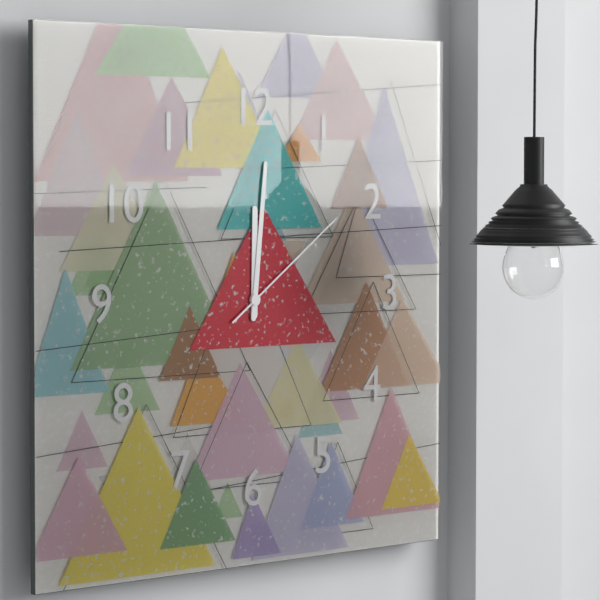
12:01:09
